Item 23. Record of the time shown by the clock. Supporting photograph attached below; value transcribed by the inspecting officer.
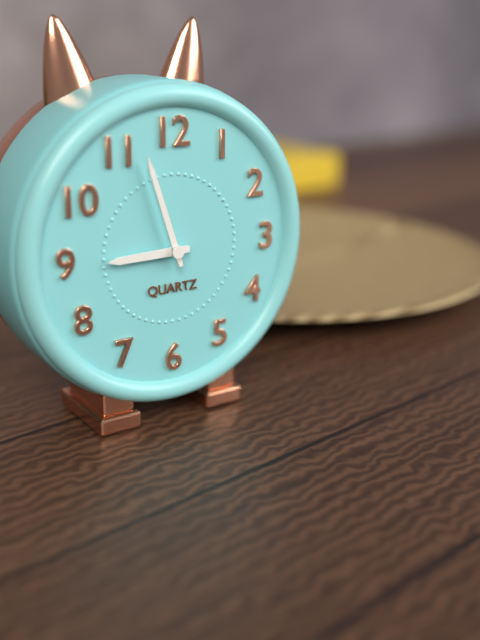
8:57
